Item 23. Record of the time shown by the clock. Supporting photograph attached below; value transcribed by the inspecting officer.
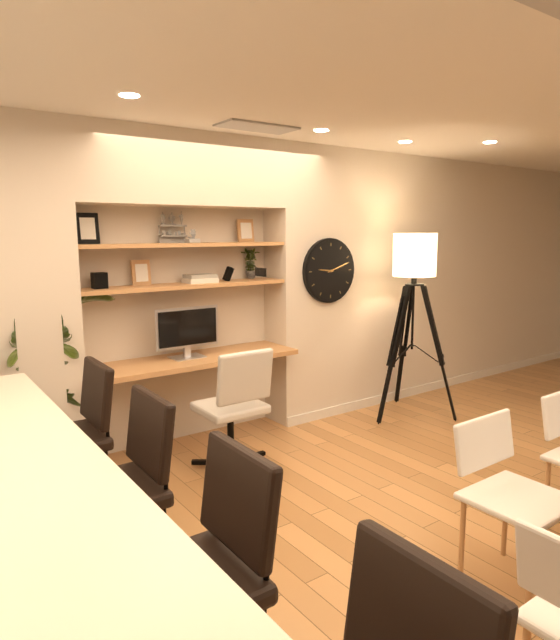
9:12
